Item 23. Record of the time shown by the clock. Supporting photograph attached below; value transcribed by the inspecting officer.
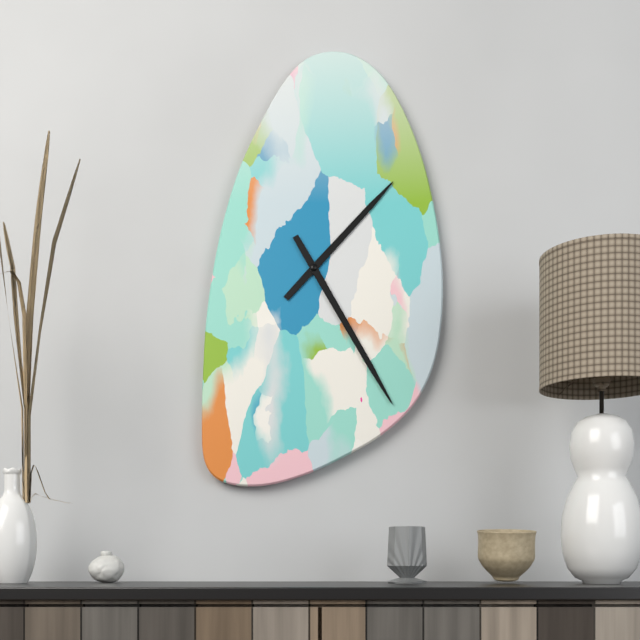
1:25
